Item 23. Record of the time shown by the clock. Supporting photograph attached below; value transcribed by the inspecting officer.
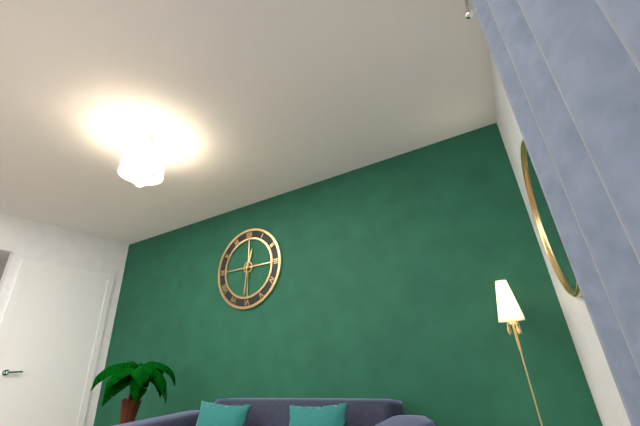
12:31
